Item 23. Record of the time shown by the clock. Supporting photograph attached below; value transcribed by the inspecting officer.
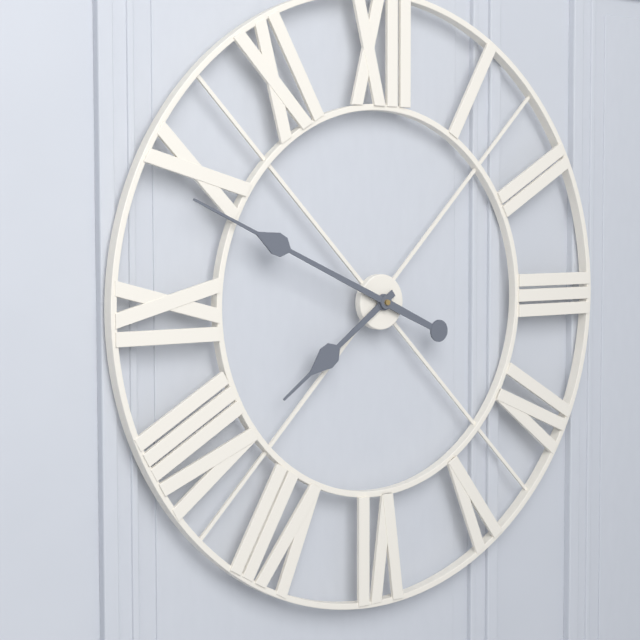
7:49
